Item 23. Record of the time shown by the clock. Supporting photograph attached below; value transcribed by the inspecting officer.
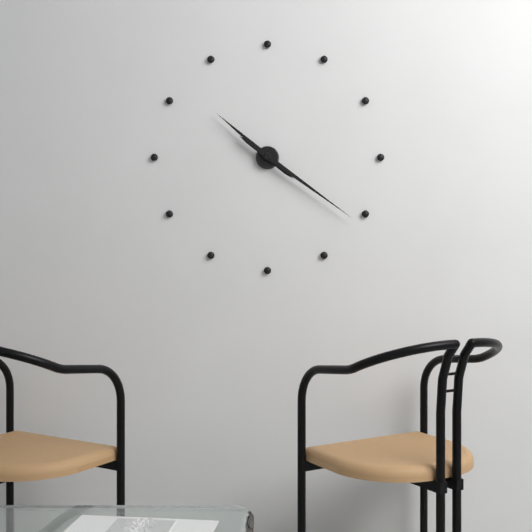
10:21
